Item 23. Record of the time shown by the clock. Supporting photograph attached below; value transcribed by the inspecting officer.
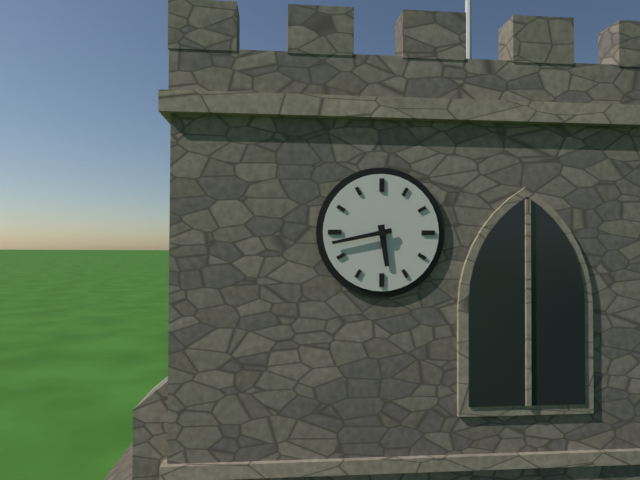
5:43
